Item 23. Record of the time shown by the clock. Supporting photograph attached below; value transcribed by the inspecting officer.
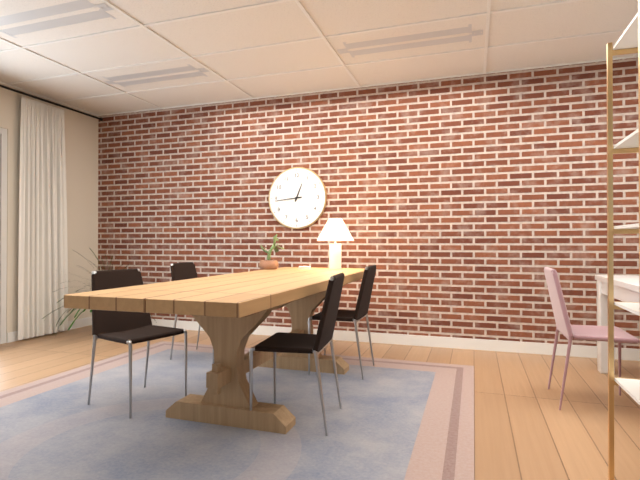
12:44
